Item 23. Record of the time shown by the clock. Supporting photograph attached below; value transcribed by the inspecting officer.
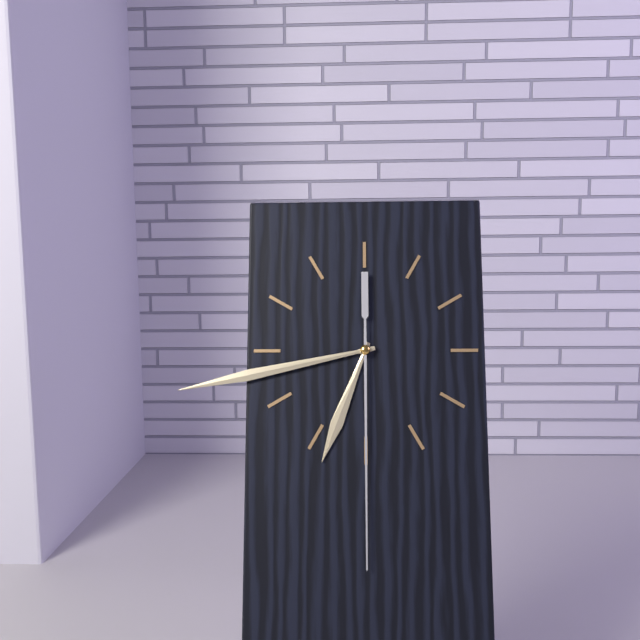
6:43:30
